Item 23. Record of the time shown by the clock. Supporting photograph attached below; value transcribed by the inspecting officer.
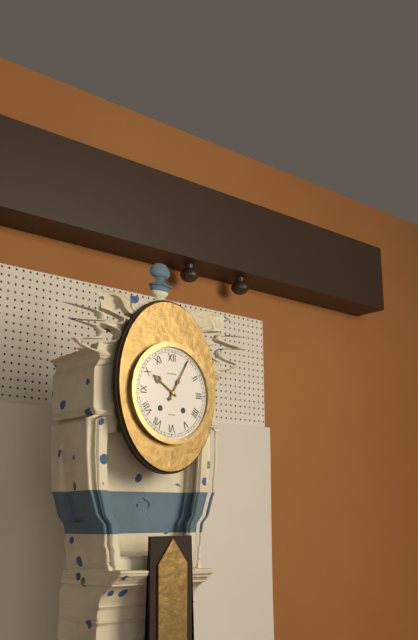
10:05
